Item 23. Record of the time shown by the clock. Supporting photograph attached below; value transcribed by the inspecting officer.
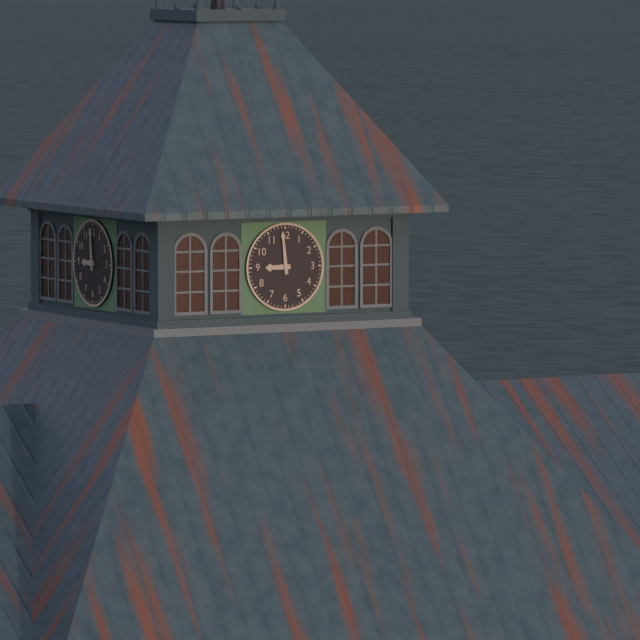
8:59
